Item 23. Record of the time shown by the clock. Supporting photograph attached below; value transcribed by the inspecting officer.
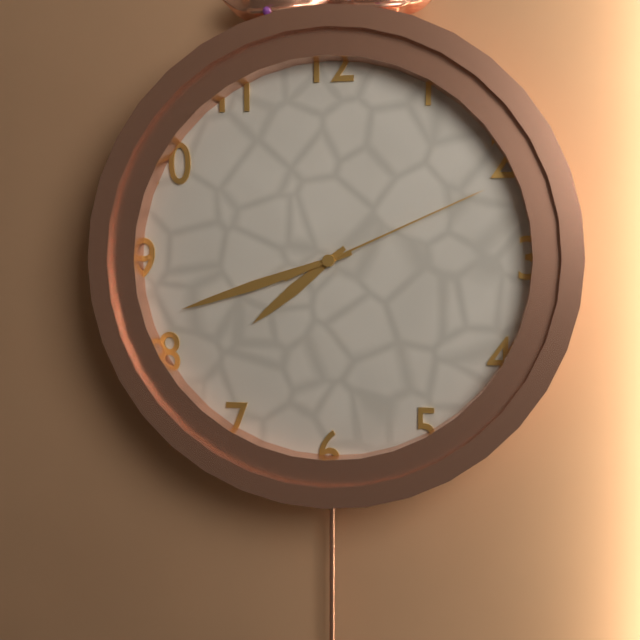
7:42:11
